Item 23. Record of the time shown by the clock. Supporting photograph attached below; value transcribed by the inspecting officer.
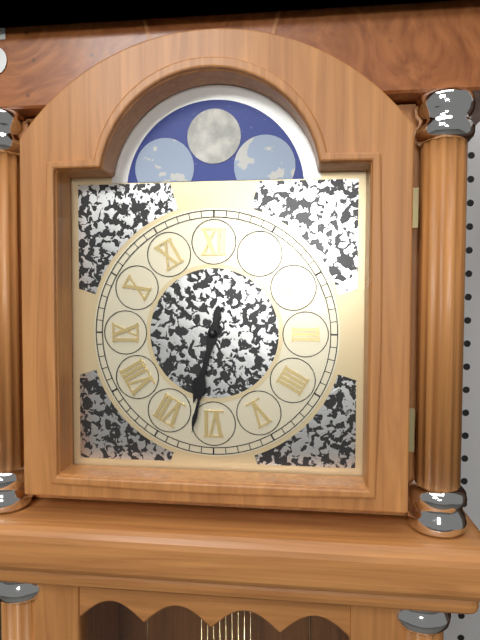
6:32
